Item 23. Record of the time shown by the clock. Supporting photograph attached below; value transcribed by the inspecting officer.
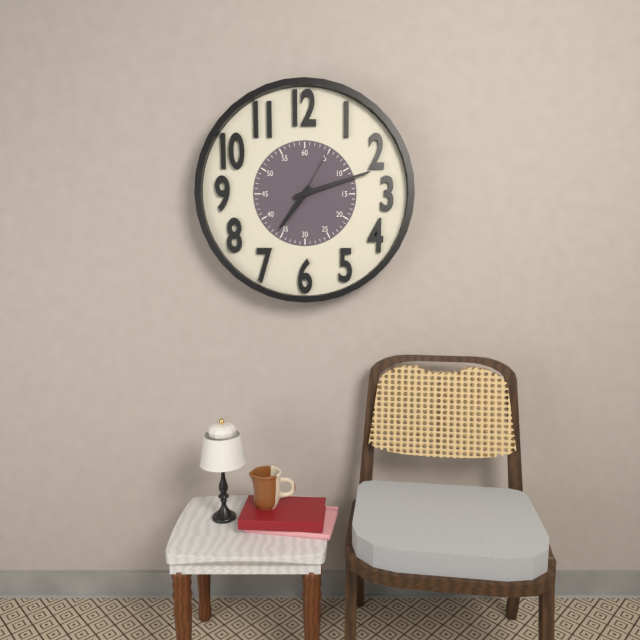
7:12:05
